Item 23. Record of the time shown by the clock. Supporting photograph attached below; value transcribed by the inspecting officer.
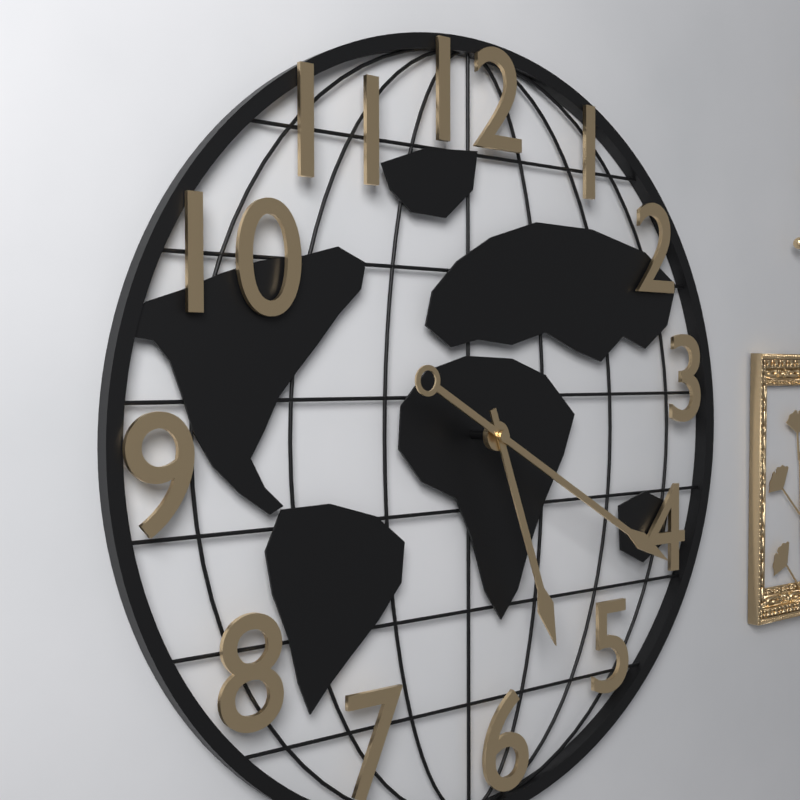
5:20
